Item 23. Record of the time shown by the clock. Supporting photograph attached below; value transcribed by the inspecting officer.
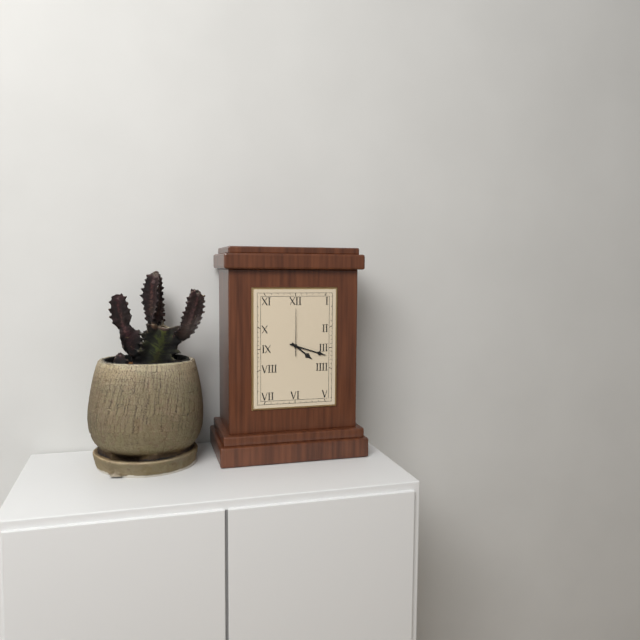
4:18
